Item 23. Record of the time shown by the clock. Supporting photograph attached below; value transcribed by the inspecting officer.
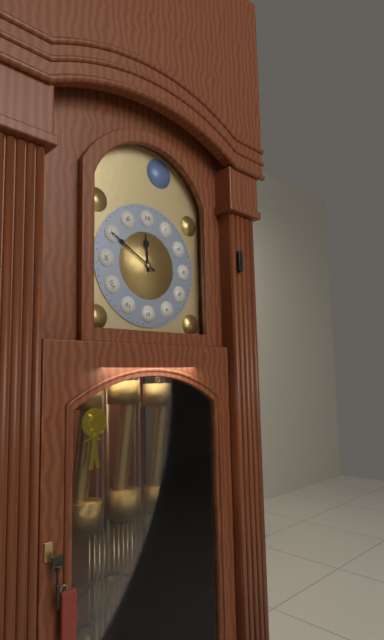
11:50
